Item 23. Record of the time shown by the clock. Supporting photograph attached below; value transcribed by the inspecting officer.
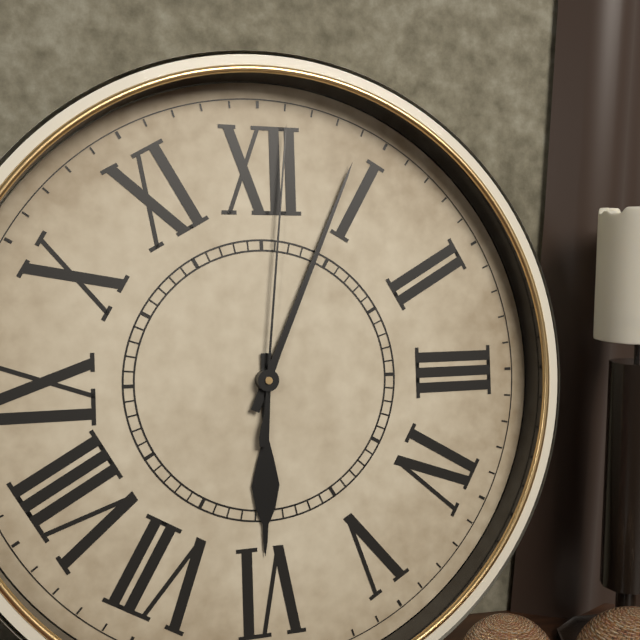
6:04:01
